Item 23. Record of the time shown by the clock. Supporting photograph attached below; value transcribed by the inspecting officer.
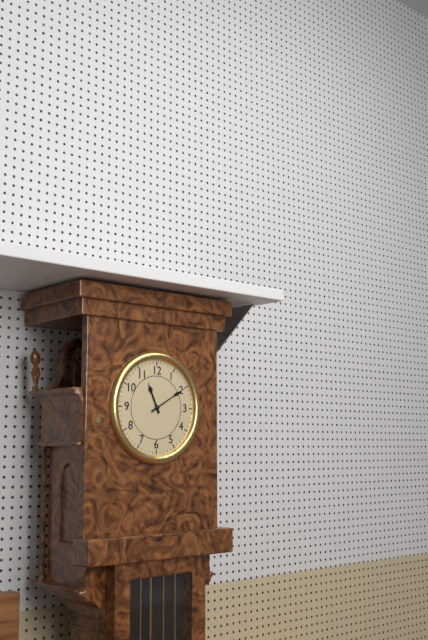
11:10
